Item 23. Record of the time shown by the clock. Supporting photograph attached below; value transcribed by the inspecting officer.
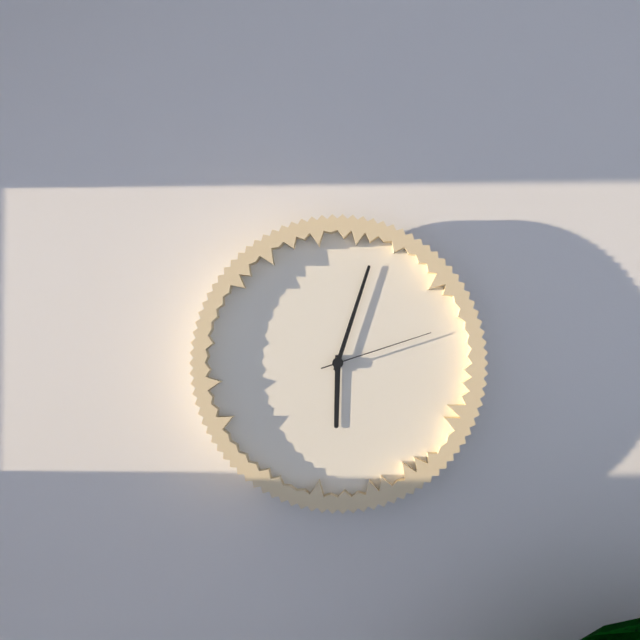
6:03:12
